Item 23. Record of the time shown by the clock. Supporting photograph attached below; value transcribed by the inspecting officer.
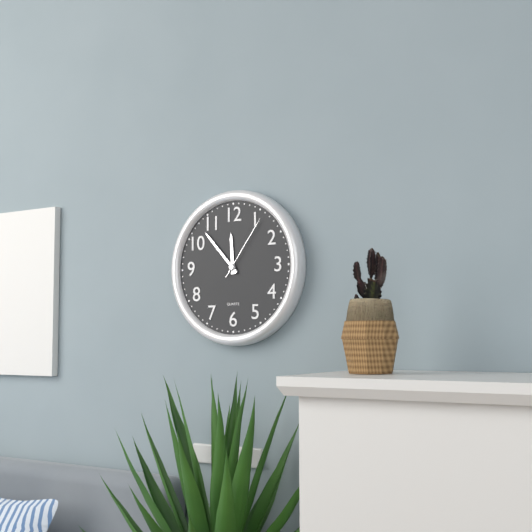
11:53:06
